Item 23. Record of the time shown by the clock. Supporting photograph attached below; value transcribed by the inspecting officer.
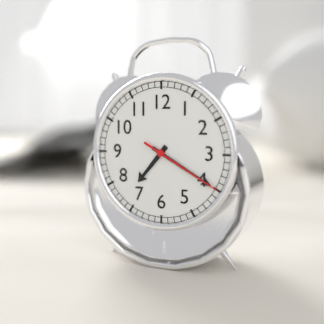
7:20:20
